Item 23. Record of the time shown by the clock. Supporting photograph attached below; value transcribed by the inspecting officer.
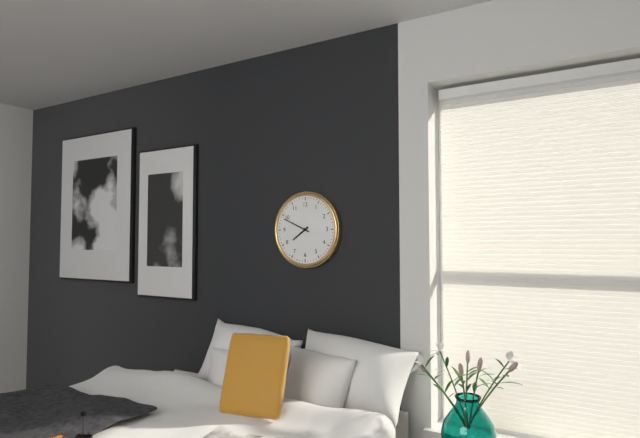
7:49
